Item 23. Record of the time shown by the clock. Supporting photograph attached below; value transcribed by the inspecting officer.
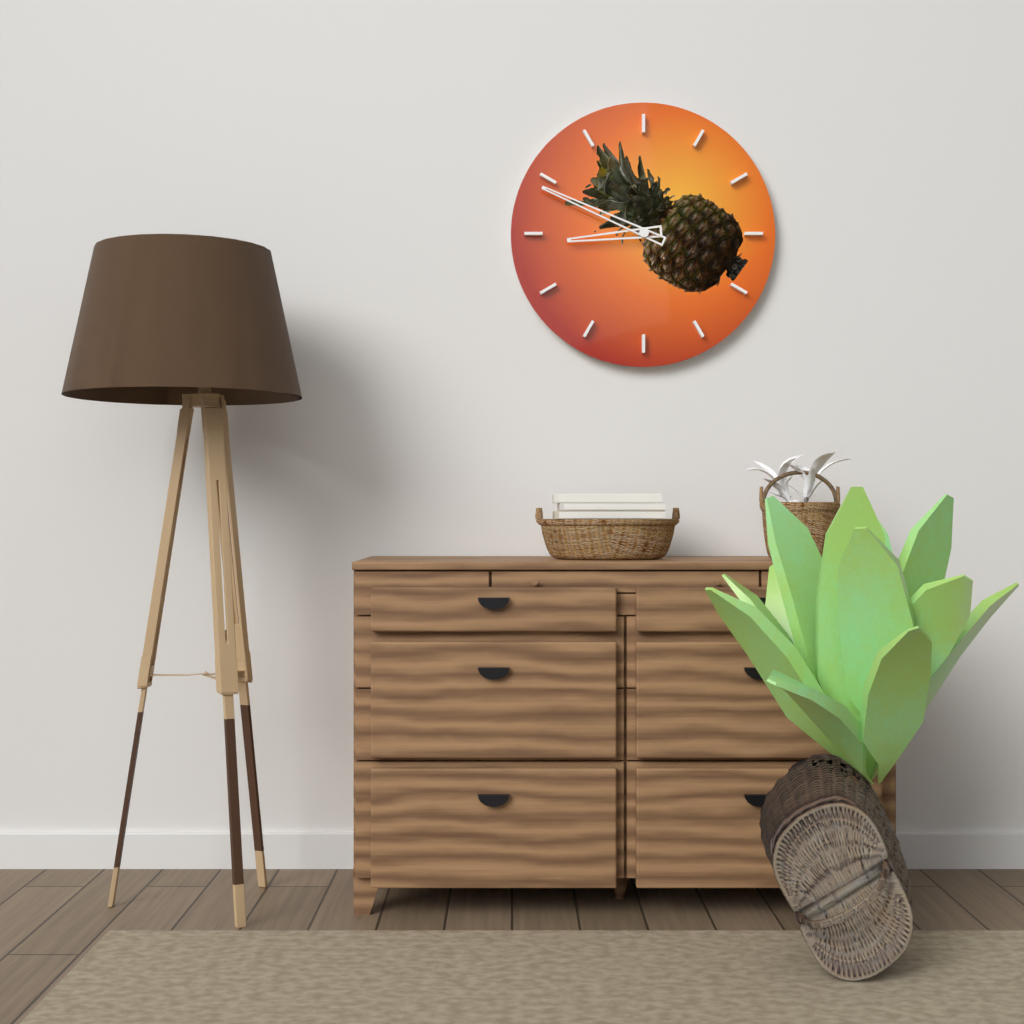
8:49
